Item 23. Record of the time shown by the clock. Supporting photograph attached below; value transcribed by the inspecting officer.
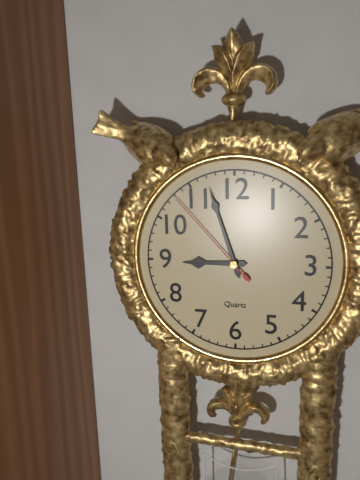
8:57:53
